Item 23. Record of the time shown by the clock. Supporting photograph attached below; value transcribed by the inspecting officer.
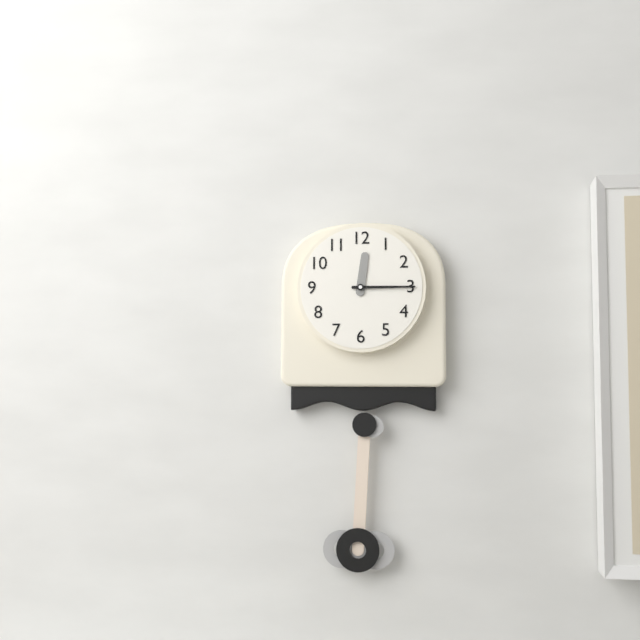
12:15
